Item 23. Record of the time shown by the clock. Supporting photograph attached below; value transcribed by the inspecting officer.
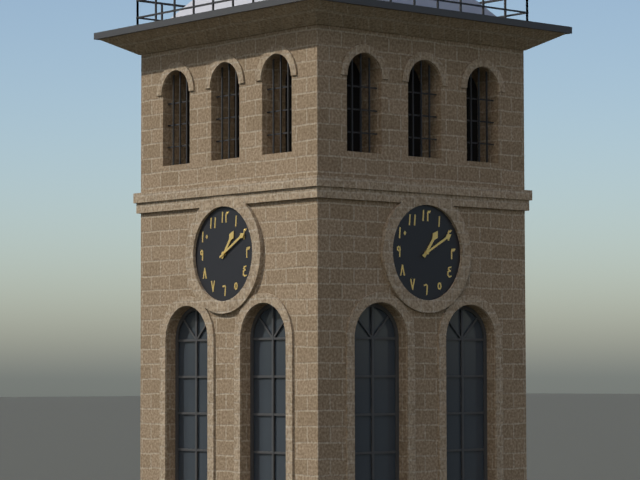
1:10
